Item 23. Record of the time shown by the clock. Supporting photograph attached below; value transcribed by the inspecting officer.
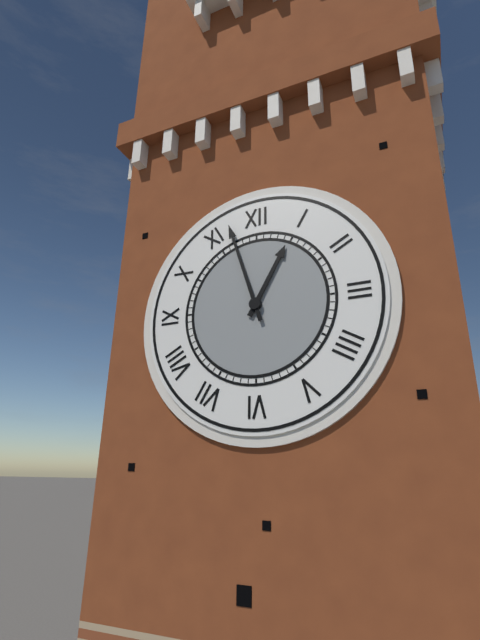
12:57
